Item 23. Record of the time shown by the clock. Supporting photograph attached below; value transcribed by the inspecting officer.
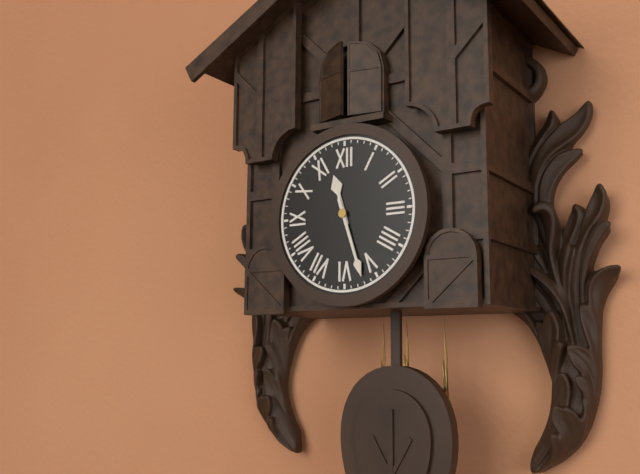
11:27
